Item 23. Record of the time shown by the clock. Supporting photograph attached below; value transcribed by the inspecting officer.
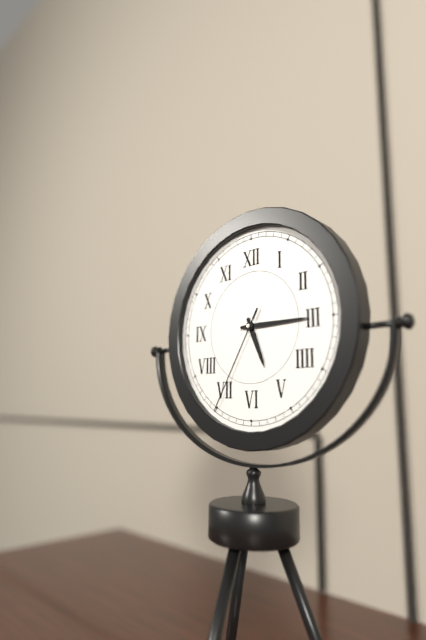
5:15:35
